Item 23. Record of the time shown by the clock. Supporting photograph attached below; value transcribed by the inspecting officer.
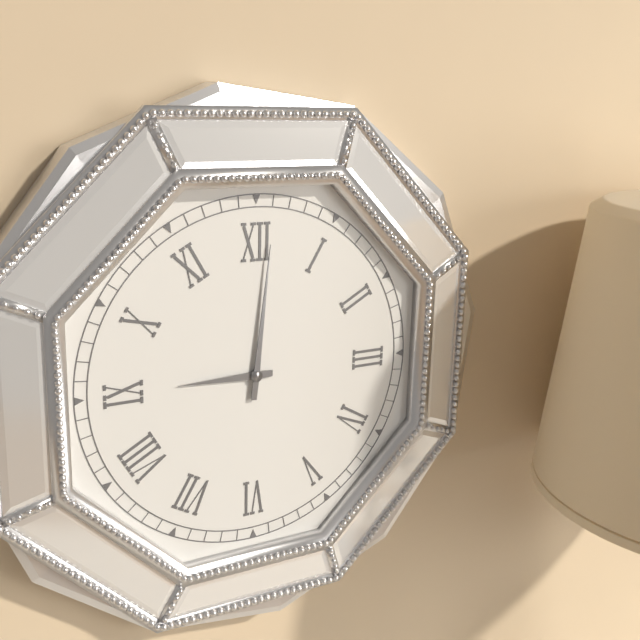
9:01
